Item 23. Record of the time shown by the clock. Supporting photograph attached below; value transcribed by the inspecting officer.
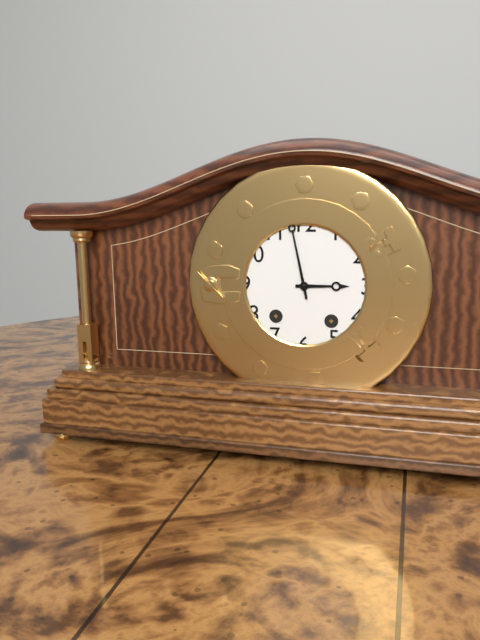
2:58
